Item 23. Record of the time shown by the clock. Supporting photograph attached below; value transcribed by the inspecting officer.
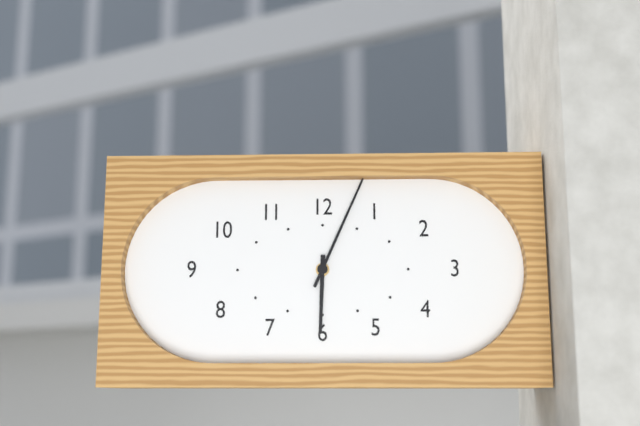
6:04
